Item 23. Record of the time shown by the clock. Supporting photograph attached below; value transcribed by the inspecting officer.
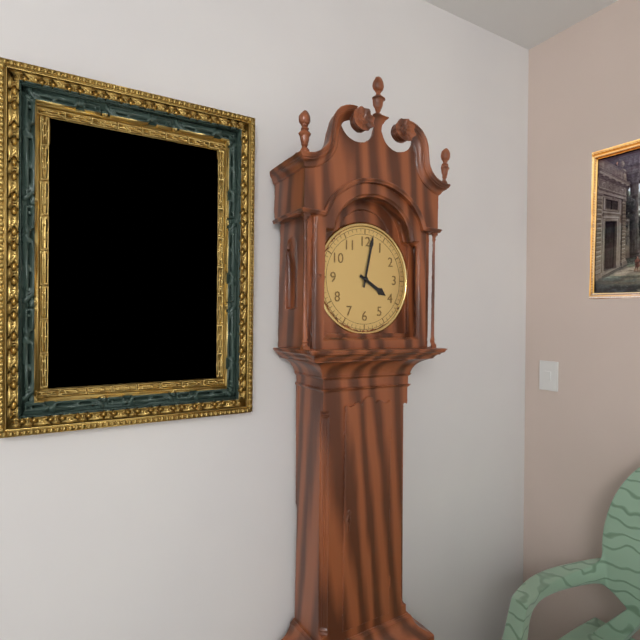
4:02
